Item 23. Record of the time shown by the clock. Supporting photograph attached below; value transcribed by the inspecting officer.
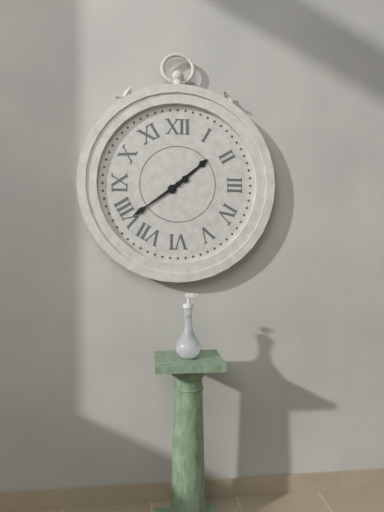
1:39
